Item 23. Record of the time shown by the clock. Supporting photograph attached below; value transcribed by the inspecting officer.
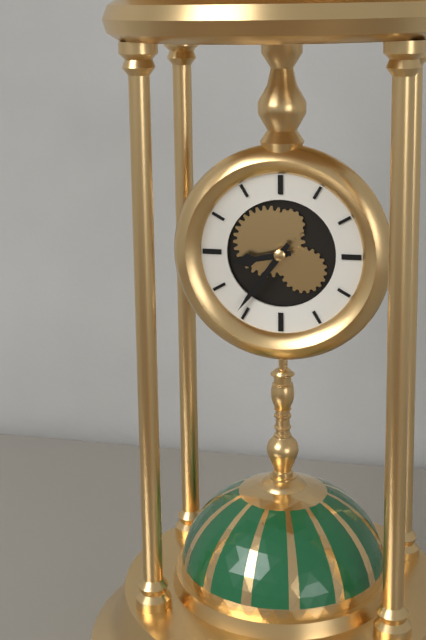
8:36
